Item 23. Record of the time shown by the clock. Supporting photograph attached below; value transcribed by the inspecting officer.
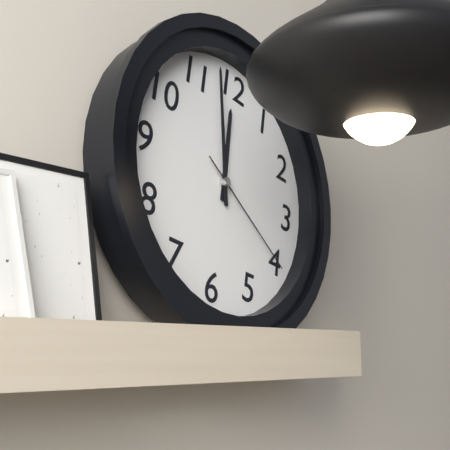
11:58:20
